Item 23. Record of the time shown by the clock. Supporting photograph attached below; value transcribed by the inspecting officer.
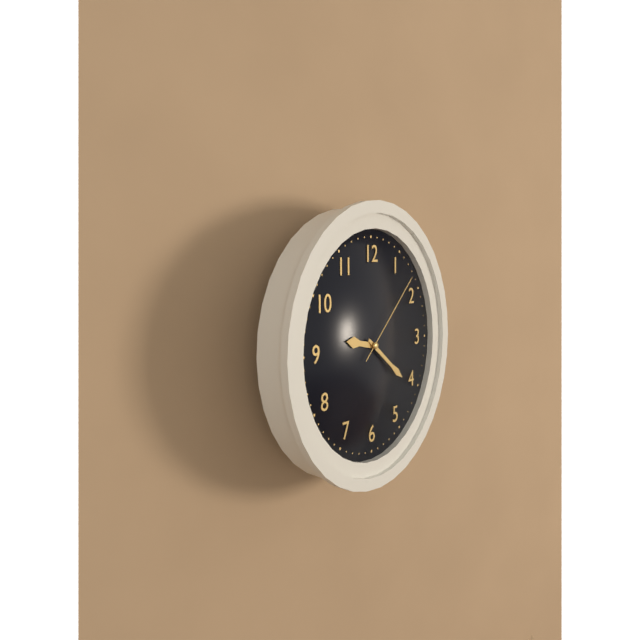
9:21:08
